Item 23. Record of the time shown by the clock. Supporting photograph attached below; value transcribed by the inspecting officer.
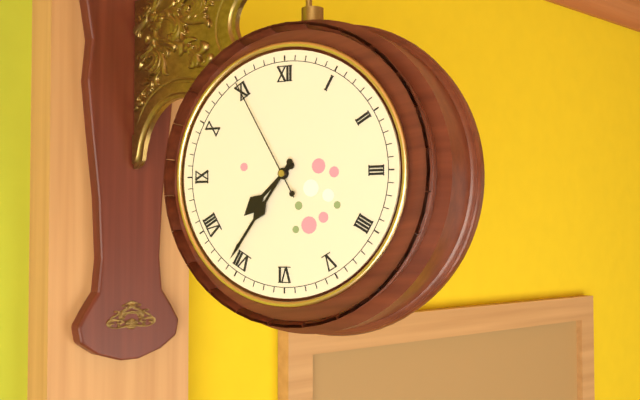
7:36:55
